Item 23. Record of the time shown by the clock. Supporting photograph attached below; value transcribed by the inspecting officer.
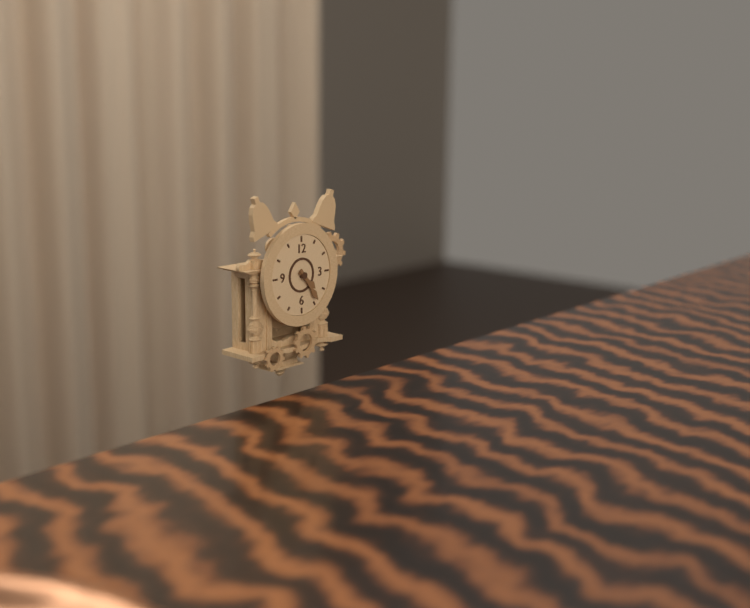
4:24
